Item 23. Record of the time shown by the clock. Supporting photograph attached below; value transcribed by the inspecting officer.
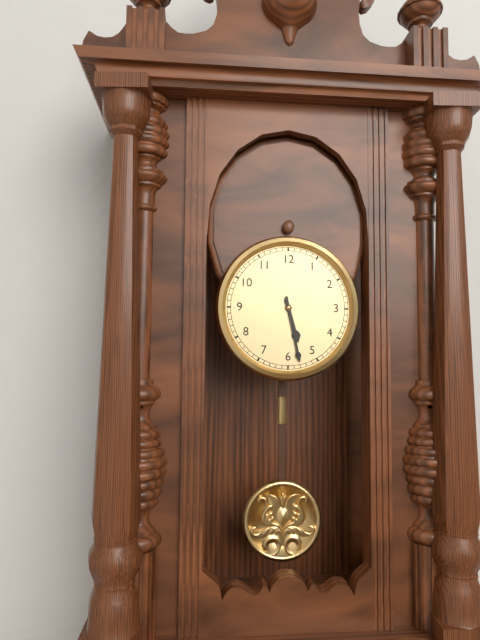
5:28
